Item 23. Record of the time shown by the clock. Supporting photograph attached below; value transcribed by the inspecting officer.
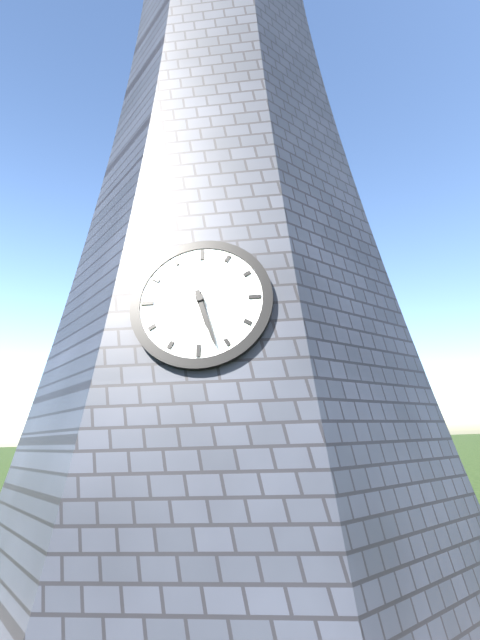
5:27
